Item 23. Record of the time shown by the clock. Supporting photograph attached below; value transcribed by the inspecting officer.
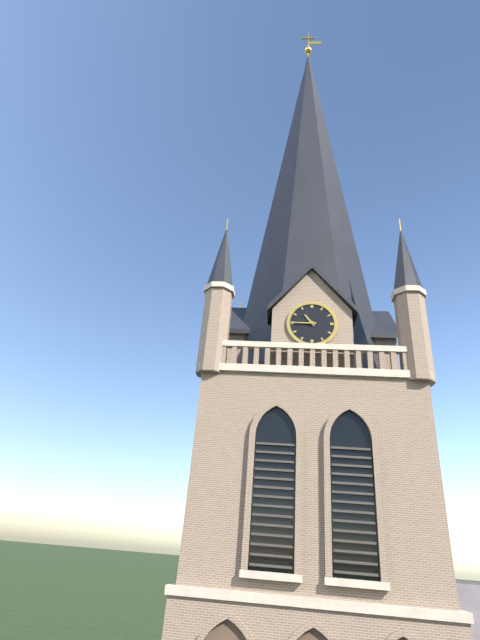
10:45
